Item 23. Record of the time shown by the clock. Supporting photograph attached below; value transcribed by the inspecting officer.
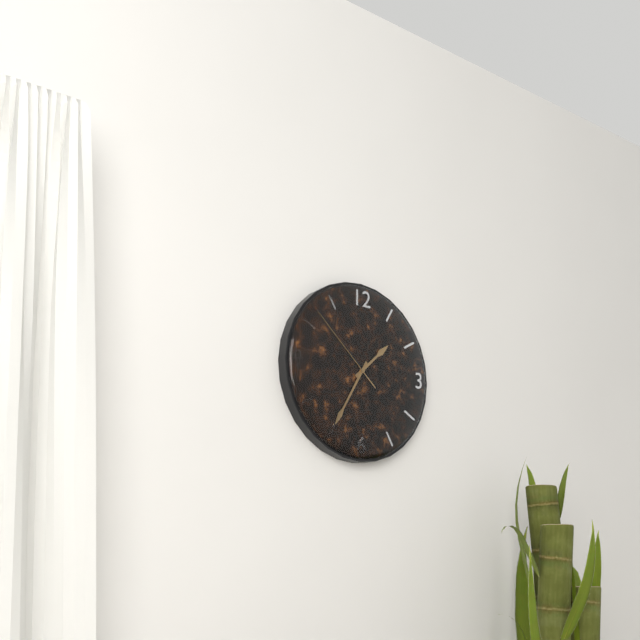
1:35:52
